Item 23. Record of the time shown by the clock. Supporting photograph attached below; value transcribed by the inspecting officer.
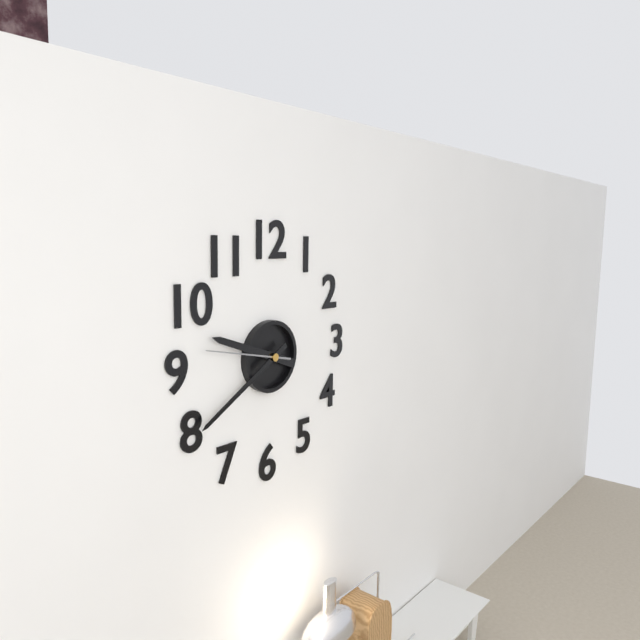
9:40:47
